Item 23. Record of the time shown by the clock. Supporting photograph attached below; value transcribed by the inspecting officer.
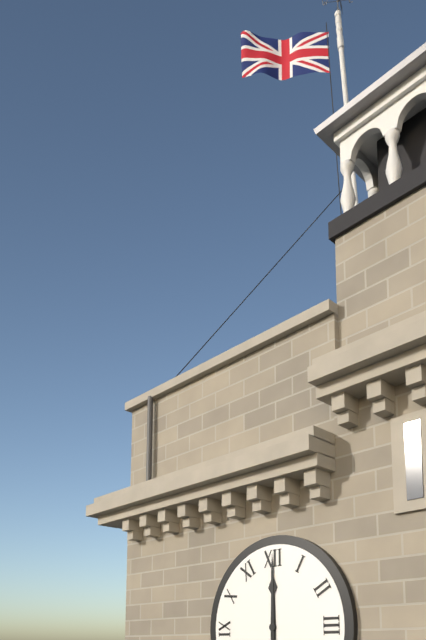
12:00
